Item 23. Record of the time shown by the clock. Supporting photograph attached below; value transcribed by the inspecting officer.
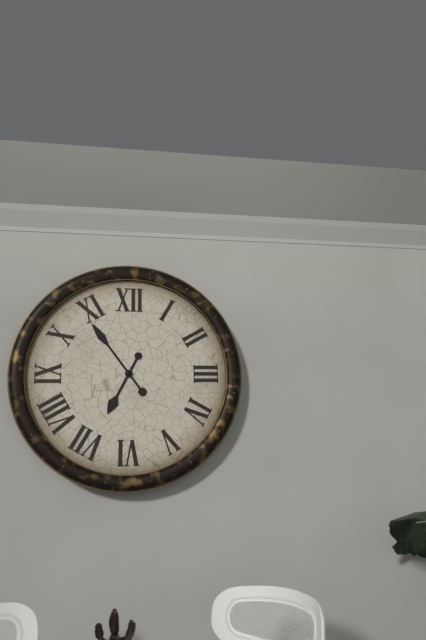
6:54
